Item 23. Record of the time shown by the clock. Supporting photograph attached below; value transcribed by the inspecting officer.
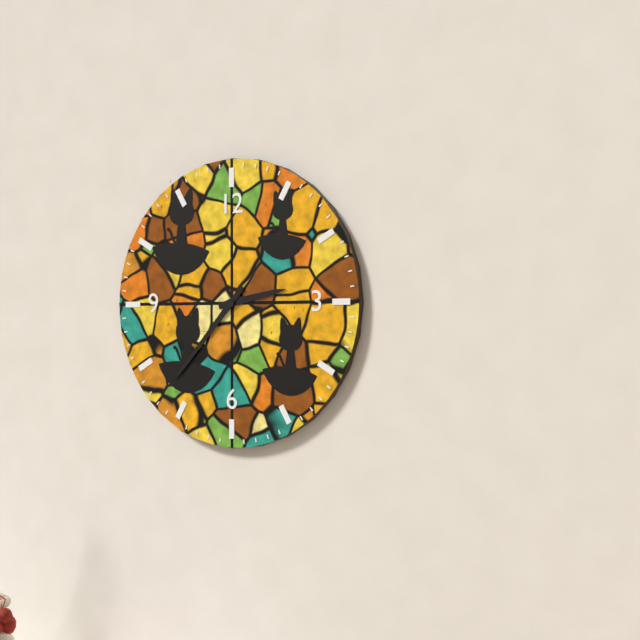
2:37
